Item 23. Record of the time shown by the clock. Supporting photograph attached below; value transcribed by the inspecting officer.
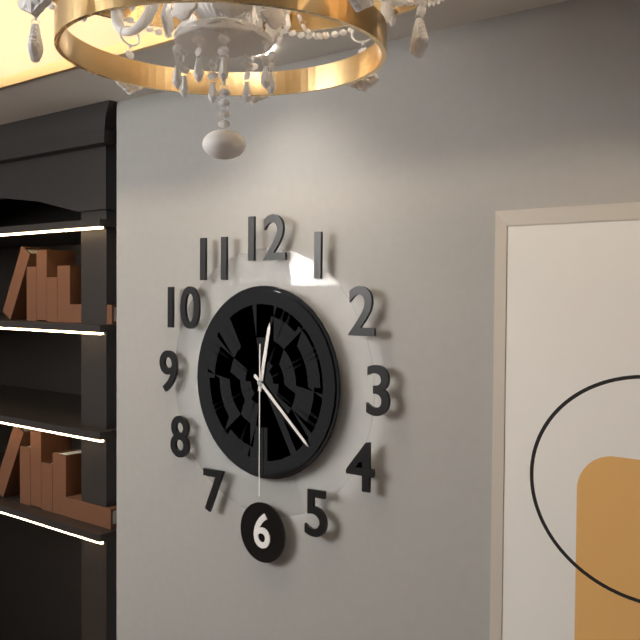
12:22:30
